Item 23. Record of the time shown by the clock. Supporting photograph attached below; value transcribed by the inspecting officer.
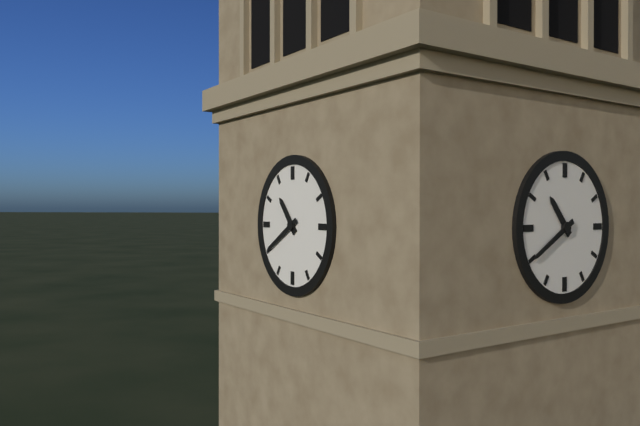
10:40
